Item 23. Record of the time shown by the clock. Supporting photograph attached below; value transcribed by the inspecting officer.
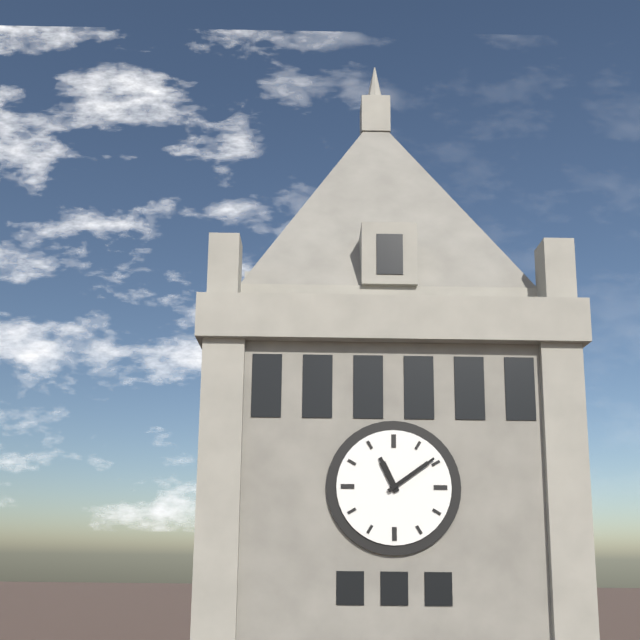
11:09
